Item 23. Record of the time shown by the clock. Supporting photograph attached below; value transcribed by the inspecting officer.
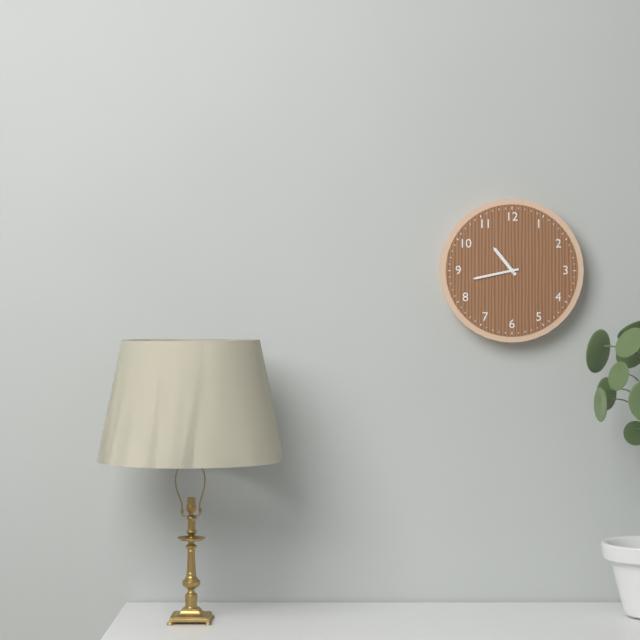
10:43
